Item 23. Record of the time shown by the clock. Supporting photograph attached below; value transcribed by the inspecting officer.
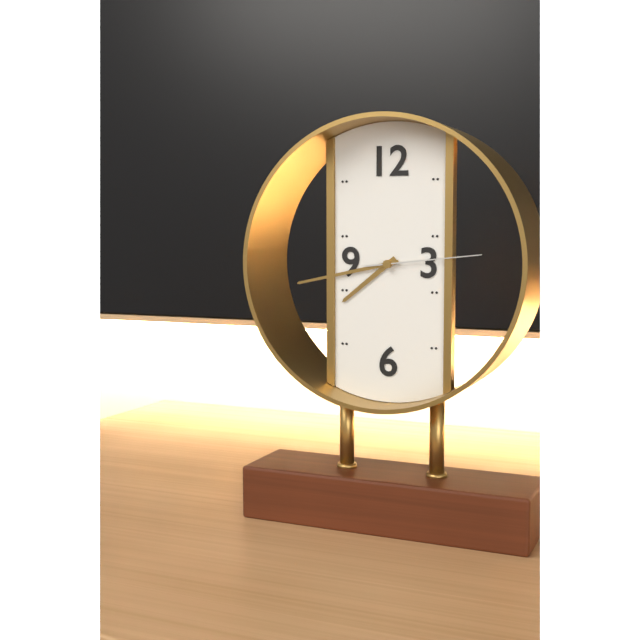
7:43:14
